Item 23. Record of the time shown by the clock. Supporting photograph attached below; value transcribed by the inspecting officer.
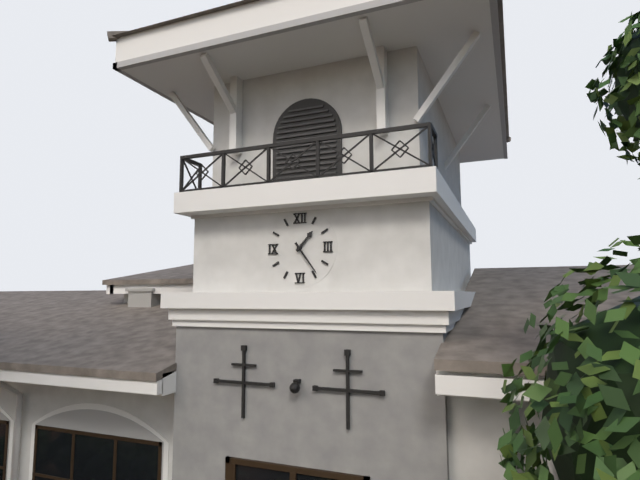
1:24
